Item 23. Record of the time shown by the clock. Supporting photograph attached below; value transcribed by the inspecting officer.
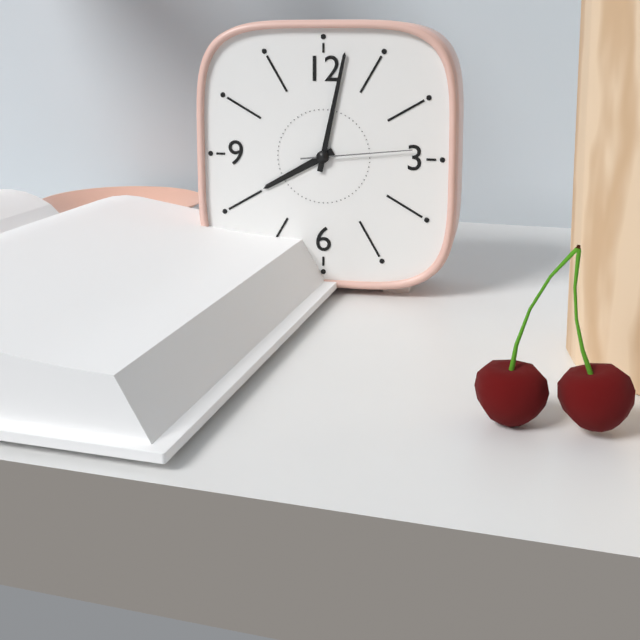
8:02:14
